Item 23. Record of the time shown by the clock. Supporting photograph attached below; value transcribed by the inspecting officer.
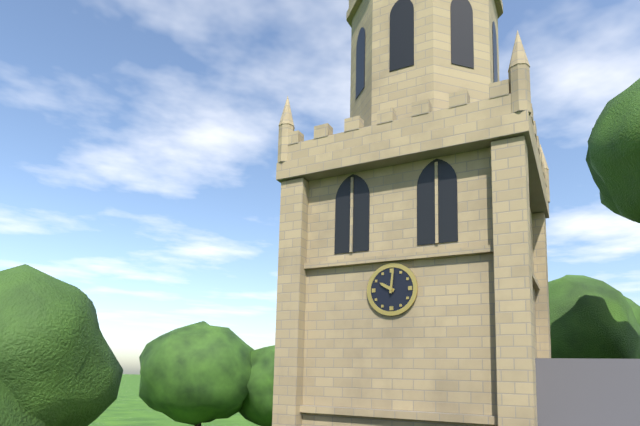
10:01
